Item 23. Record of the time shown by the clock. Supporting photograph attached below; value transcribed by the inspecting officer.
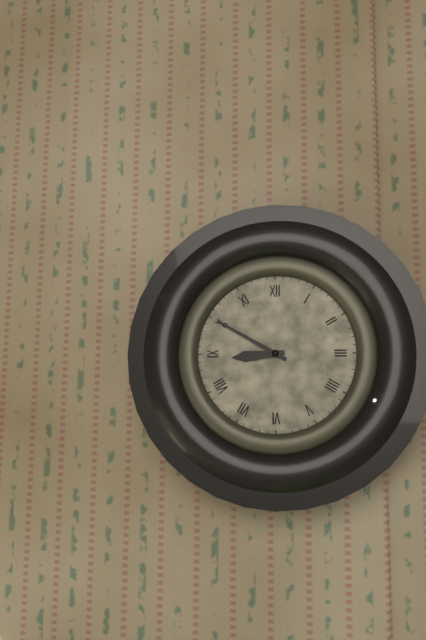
8:50
